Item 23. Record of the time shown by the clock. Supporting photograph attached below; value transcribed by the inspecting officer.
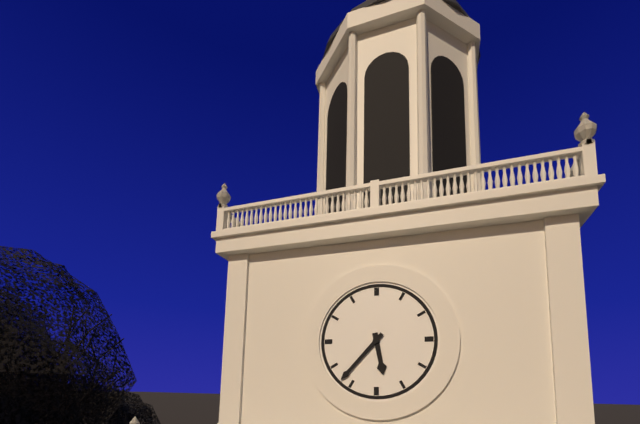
5:37
